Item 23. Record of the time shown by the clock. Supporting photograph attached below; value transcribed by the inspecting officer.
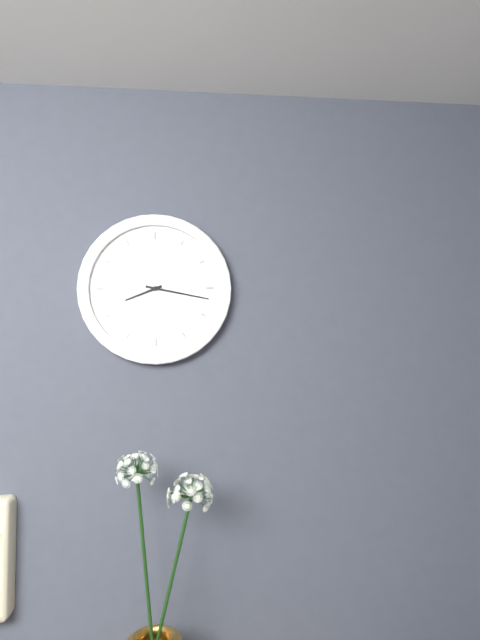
8:17
